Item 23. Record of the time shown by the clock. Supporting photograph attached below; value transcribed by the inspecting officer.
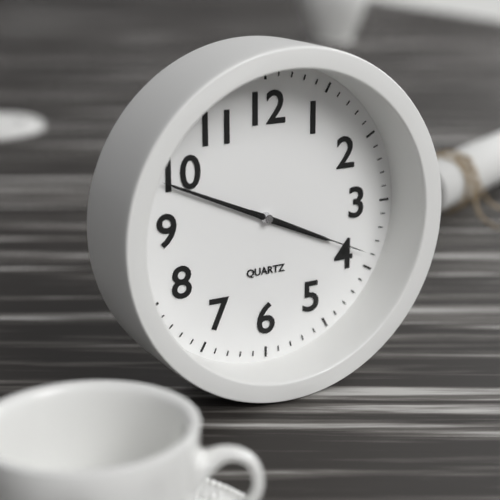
3:49:19
